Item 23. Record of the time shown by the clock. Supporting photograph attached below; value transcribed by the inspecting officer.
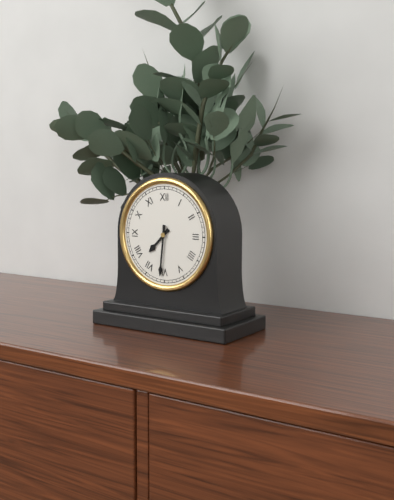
7:31
